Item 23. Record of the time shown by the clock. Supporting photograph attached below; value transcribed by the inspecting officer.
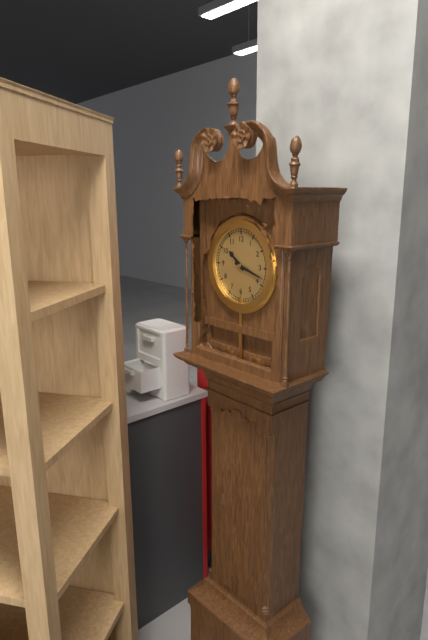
10:18
